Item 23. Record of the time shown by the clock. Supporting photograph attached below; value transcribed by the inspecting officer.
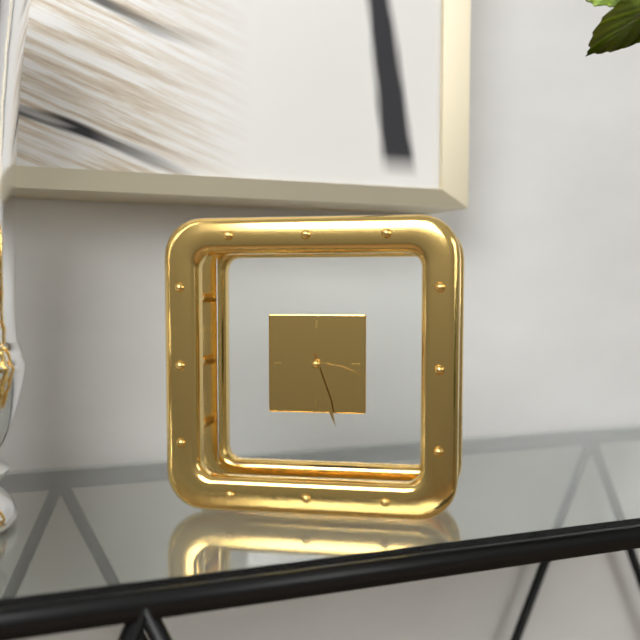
3:27
